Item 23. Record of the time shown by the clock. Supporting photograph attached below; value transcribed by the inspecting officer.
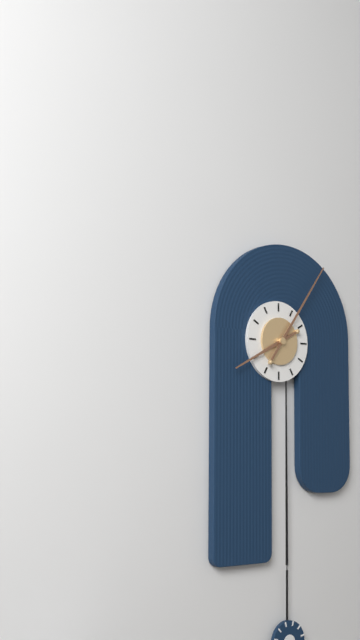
8:06
